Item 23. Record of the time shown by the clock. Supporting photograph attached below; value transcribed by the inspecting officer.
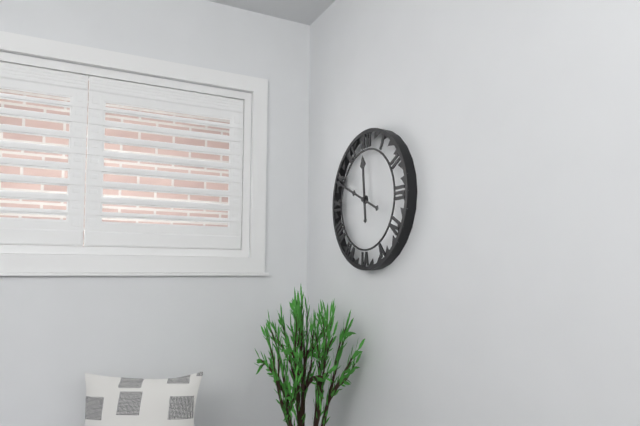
11:49
